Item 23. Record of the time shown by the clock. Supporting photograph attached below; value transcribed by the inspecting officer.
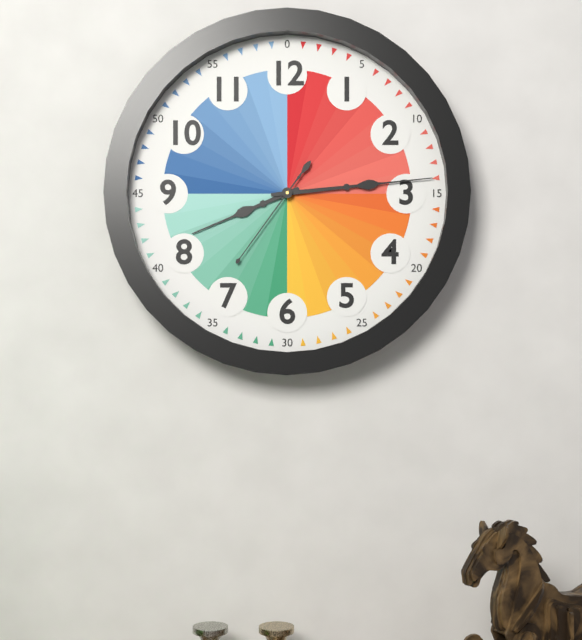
8:14:36
